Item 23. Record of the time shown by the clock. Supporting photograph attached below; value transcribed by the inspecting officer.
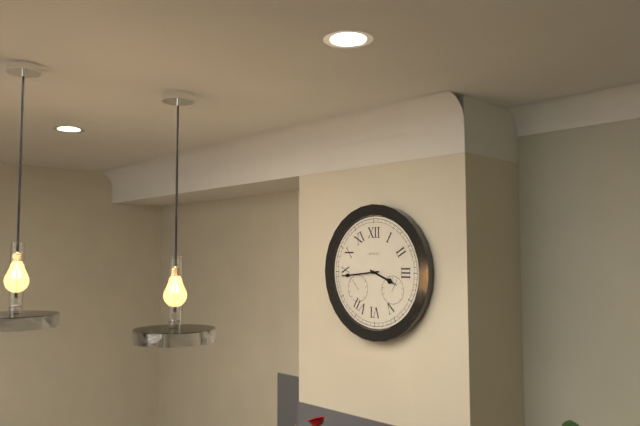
3:44
